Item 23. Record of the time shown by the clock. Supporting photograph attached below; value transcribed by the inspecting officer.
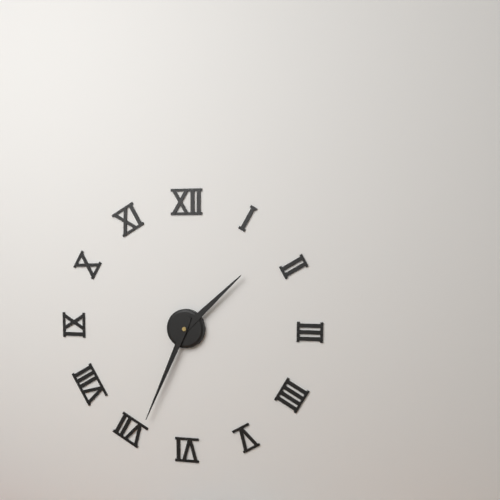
1:34
